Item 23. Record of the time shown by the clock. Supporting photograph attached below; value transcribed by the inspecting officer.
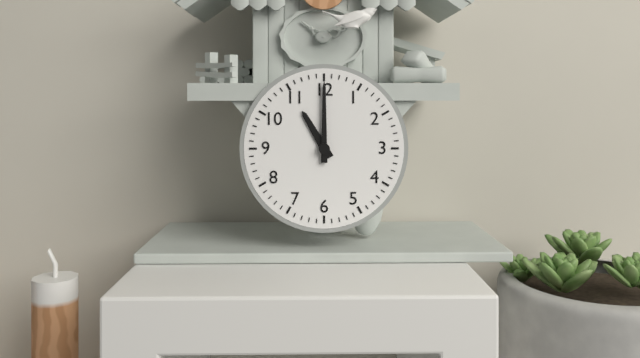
11:00
